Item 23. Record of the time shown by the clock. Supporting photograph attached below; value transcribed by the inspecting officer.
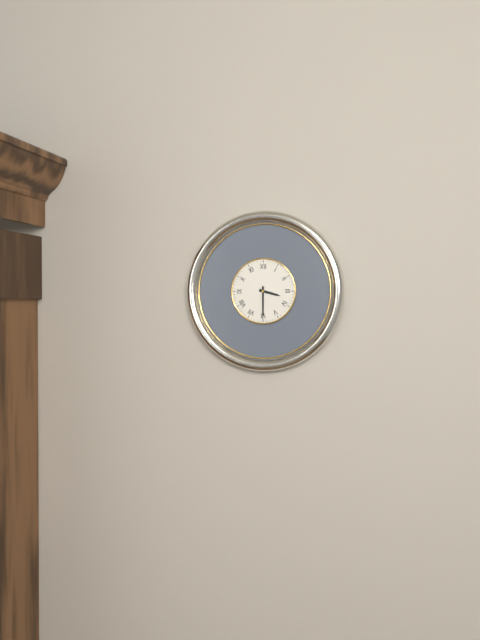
3:30
